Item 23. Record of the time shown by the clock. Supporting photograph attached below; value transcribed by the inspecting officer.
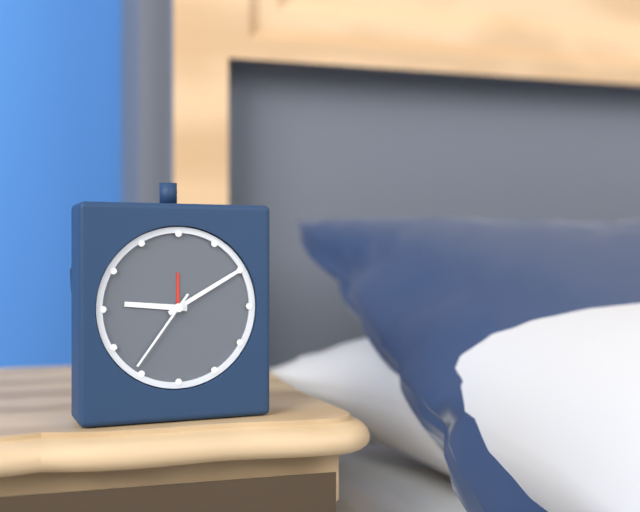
9:10:36
